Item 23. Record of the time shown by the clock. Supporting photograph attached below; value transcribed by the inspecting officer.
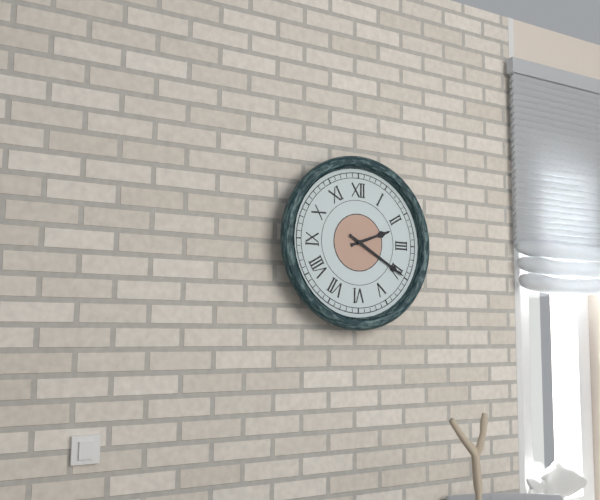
2:20
